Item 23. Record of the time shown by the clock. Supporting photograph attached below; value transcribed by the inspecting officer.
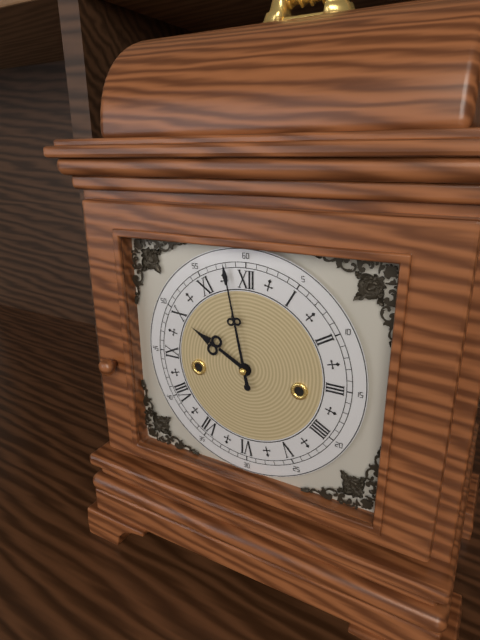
9:58
